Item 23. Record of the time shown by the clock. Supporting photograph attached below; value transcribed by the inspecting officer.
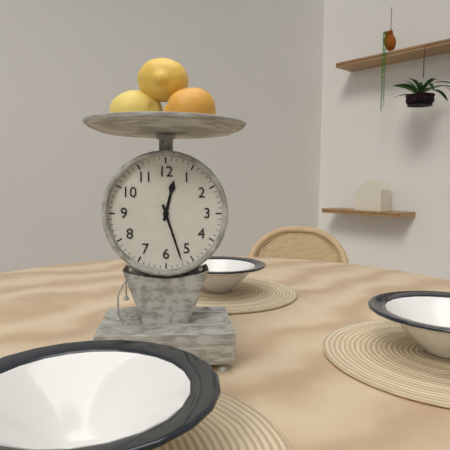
12:27
